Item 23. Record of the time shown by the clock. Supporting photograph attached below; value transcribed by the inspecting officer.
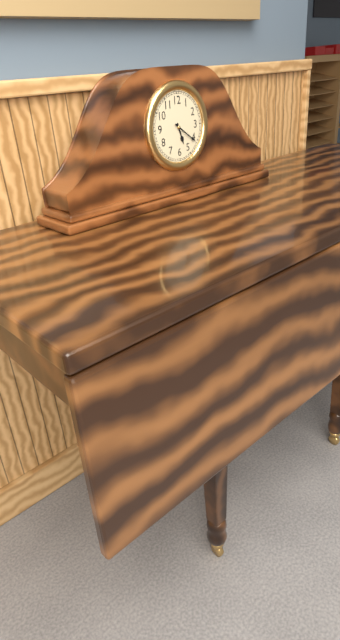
5:21
